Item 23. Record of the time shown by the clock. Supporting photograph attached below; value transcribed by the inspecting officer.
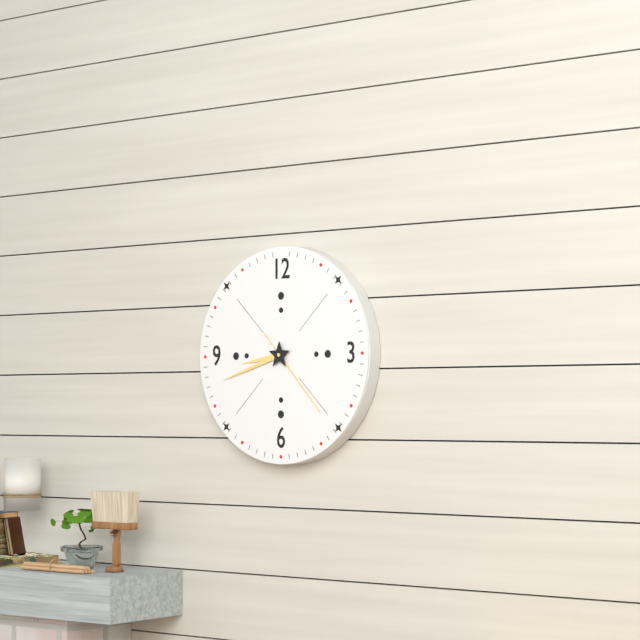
8:42:23
